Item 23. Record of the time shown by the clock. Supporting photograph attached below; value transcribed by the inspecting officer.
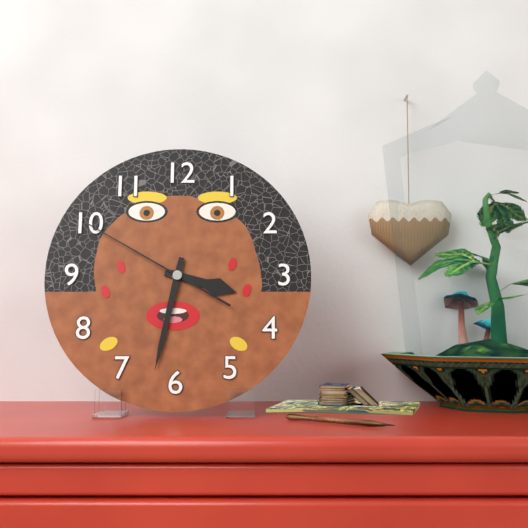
3:32:50
